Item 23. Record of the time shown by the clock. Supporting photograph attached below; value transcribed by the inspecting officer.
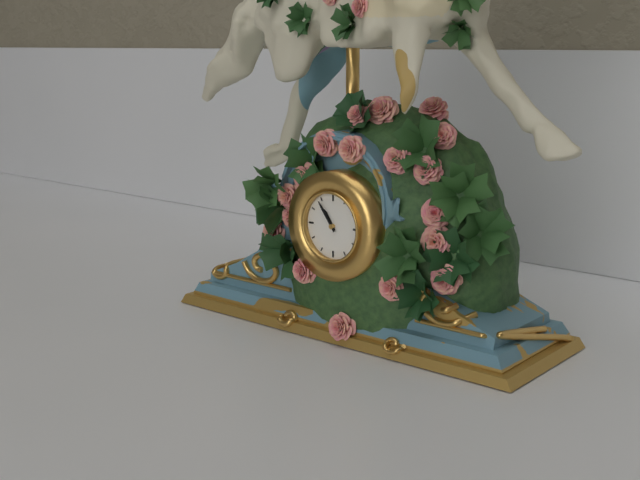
10:54
